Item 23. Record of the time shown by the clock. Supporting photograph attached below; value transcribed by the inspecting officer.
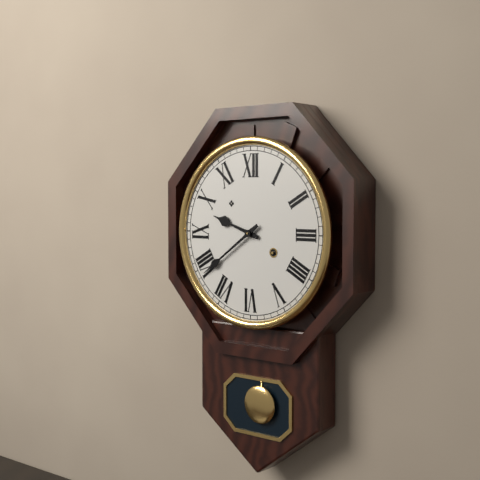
9:39
